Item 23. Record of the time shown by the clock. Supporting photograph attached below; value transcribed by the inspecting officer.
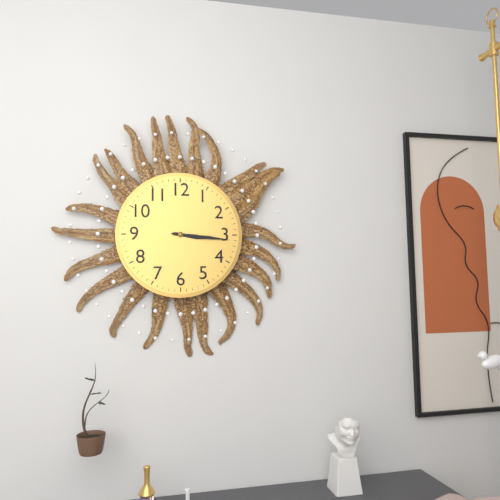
3:16
